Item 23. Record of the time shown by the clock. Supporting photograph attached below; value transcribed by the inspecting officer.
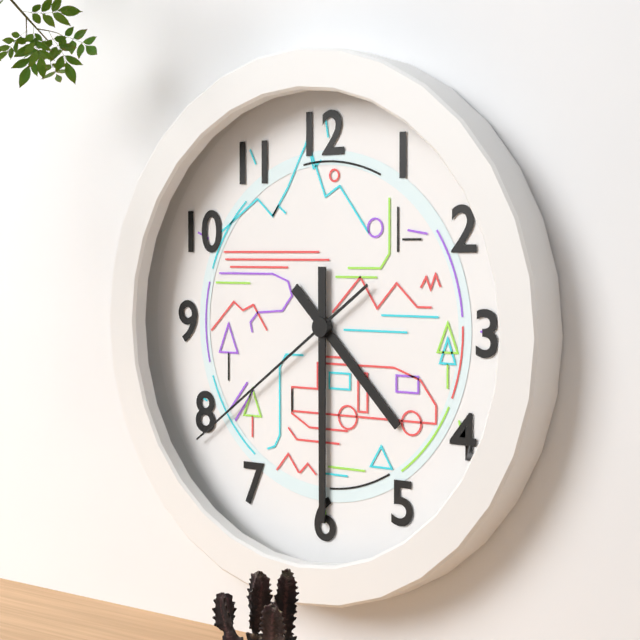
4:30:39
